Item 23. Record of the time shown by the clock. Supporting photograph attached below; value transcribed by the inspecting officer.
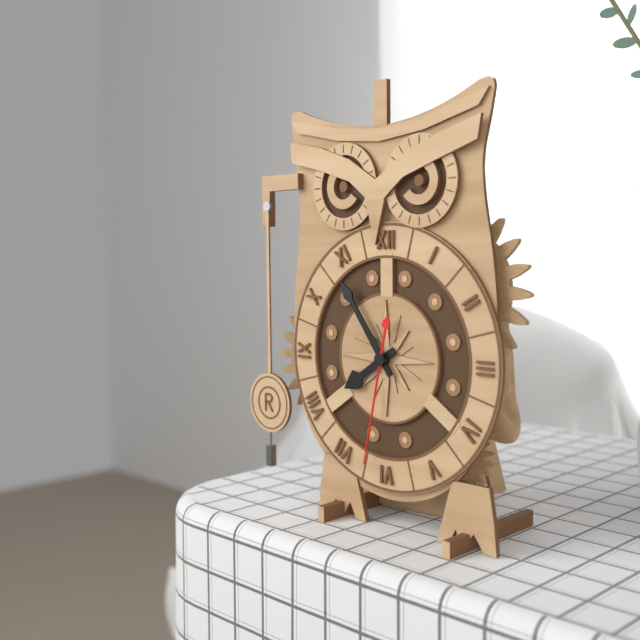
7:54:32
